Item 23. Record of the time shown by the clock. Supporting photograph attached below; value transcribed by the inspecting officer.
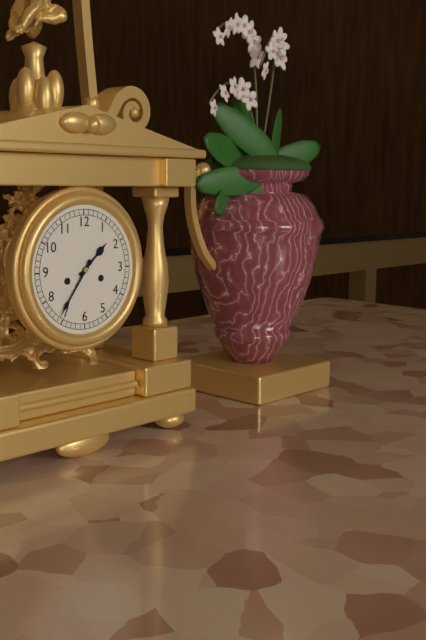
1:36
